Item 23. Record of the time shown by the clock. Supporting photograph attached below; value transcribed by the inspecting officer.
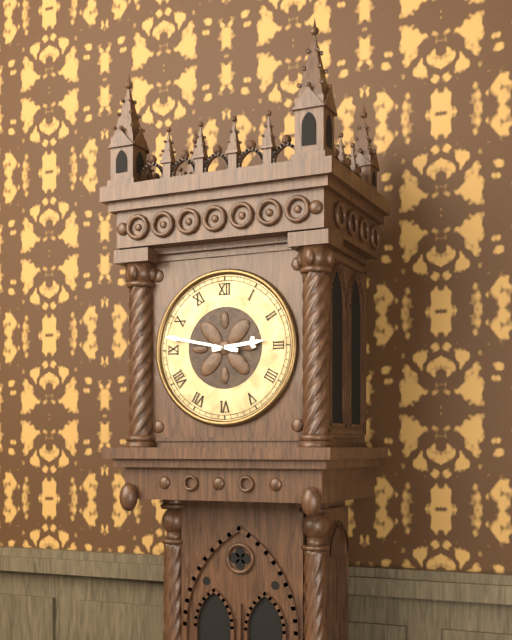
2:47
